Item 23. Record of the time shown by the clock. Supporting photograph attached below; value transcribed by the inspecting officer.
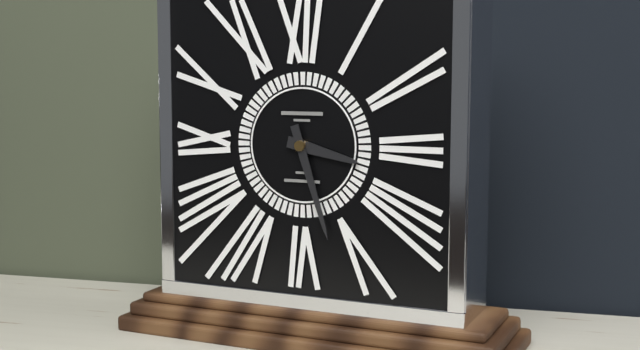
3:27
